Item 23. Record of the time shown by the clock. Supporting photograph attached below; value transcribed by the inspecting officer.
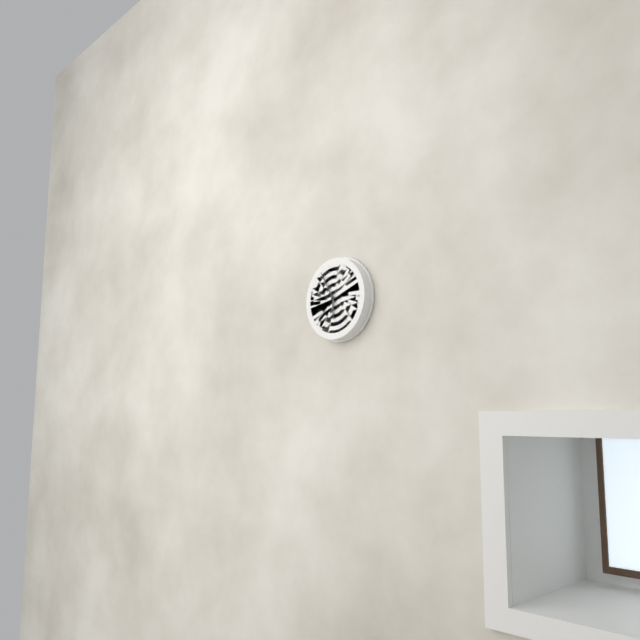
5:55
